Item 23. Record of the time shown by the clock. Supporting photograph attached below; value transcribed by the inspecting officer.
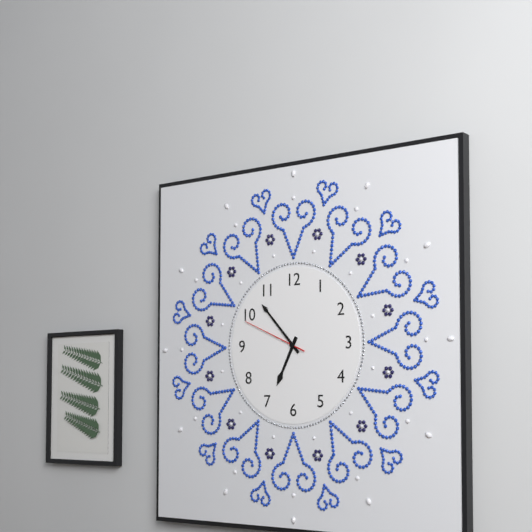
6:53:49
